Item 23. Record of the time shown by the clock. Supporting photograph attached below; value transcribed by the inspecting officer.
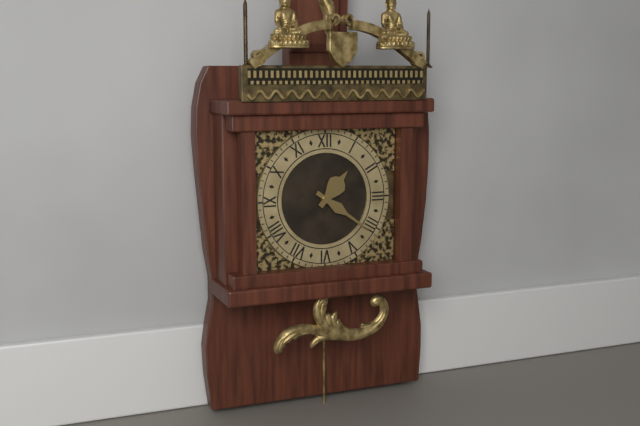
1:21
